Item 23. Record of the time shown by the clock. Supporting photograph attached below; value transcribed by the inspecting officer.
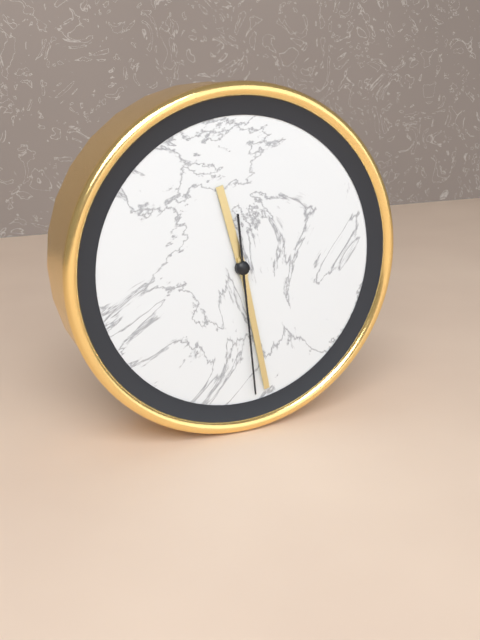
11:28:29
